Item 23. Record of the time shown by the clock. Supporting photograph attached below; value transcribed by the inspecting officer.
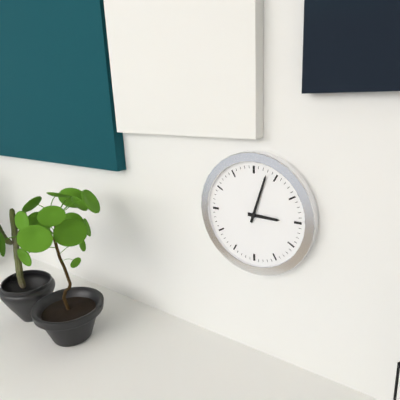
3:03
